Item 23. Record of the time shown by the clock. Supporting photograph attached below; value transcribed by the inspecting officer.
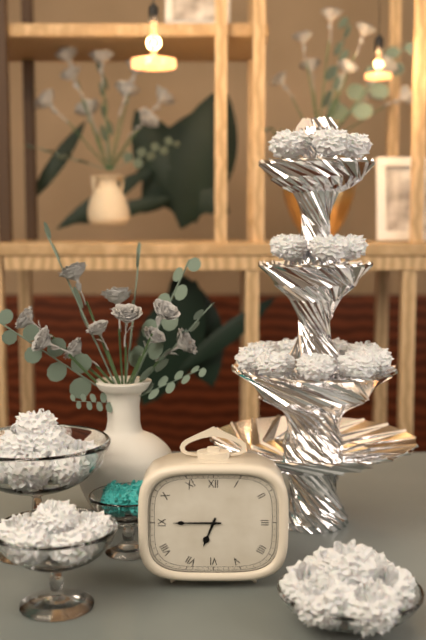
6:45
